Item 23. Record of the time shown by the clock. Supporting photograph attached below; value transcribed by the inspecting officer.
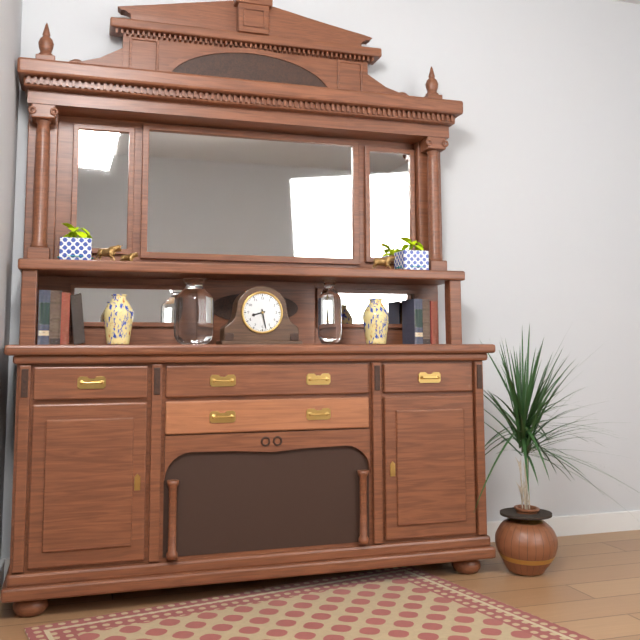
8:28
